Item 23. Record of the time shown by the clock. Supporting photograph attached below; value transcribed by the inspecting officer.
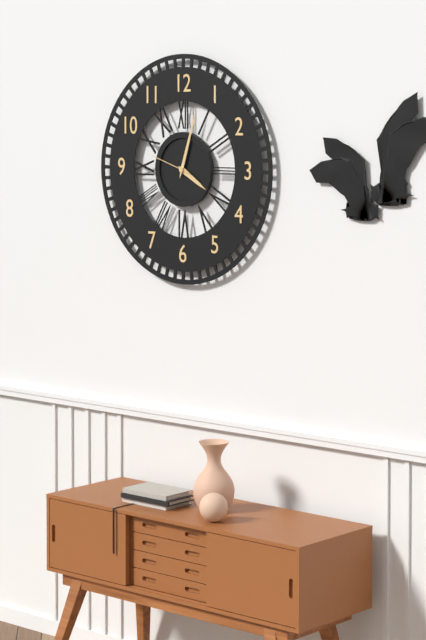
4:03
